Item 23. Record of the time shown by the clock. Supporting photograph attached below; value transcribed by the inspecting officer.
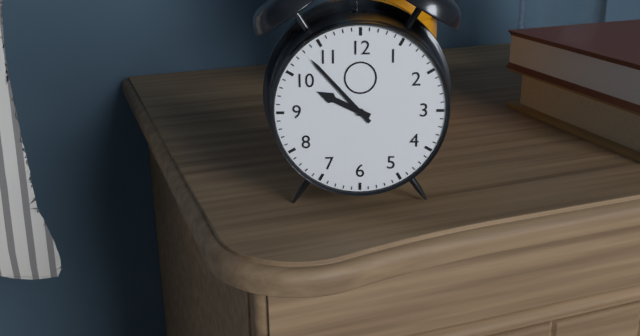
9:53
